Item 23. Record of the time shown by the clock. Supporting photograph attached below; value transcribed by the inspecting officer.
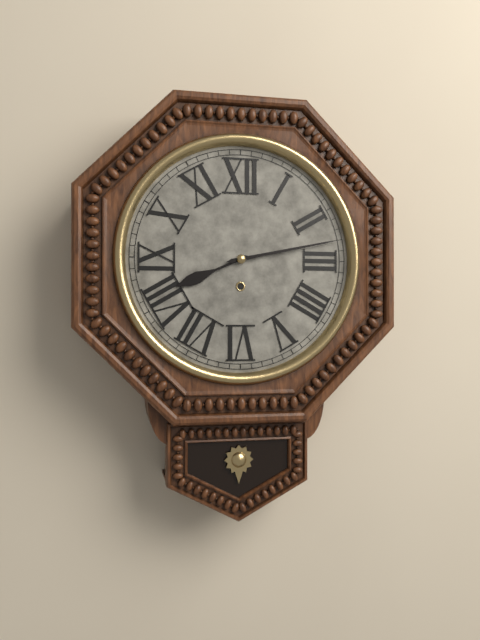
8:13
